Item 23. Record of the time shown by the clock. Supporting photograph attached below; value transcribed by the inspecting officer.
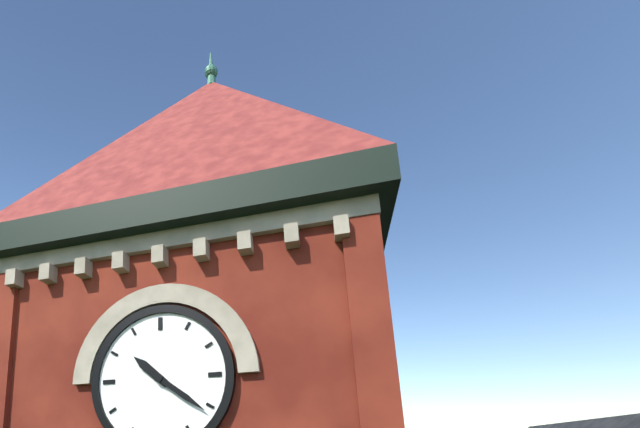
10:21
